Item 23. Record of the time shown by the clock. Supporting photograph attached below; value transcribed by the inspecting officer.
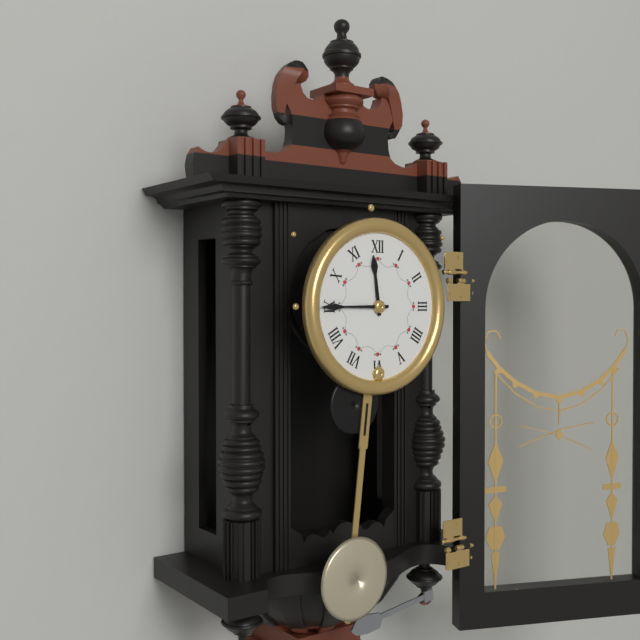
11:45
